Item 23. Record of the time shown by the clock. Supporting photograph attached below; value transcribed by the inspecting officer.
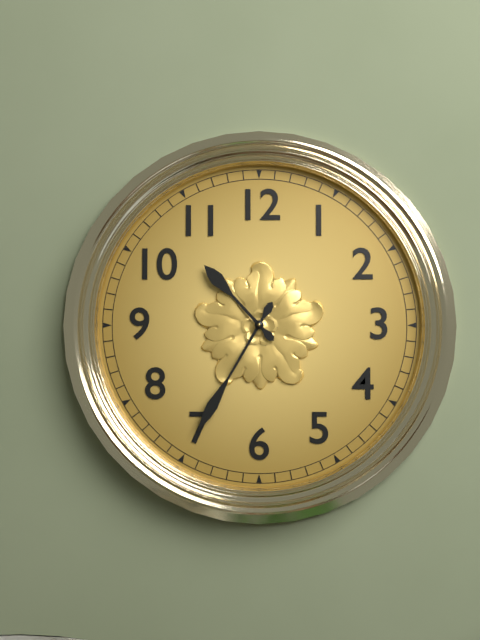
10:35
